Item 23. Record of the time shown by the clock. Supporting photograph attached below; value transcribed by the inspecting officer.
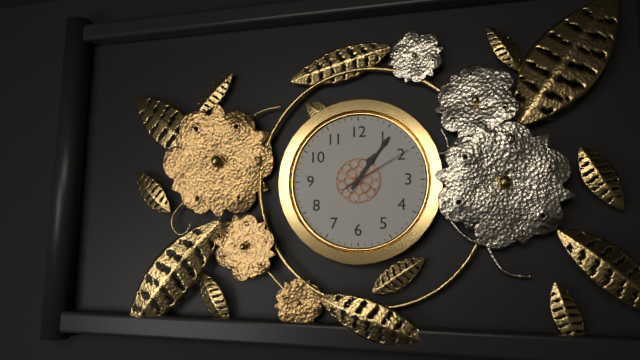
1:06:10
